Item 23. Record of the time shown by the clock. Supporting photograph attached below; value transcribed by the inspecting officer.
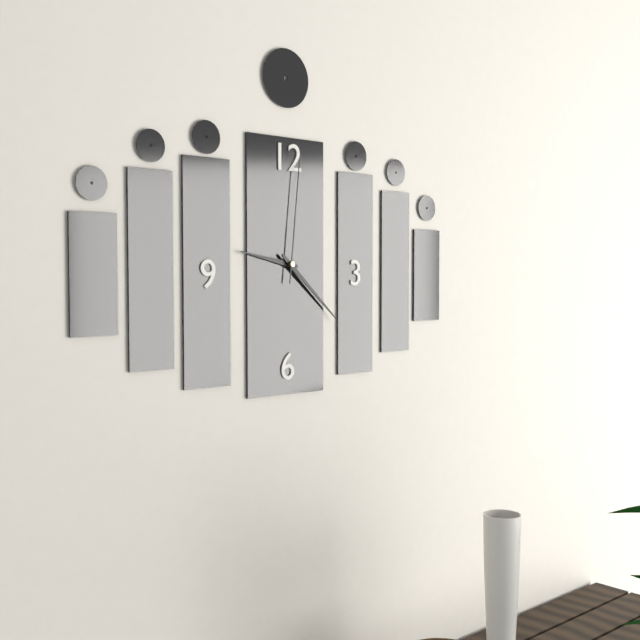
9:22:01
